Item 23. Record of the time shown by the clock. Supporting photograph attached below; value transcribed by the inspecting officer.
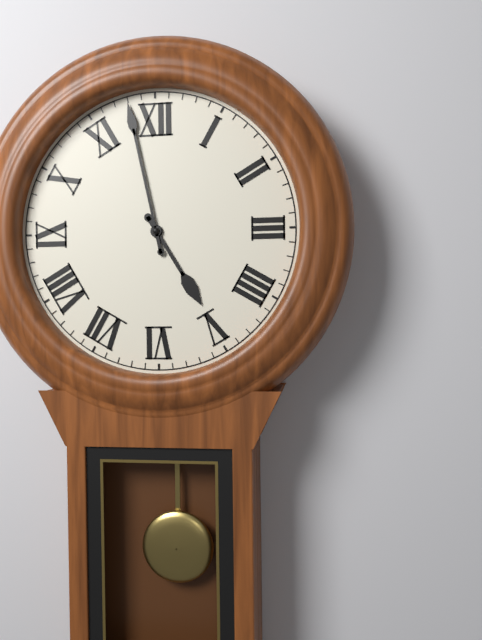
4:58
